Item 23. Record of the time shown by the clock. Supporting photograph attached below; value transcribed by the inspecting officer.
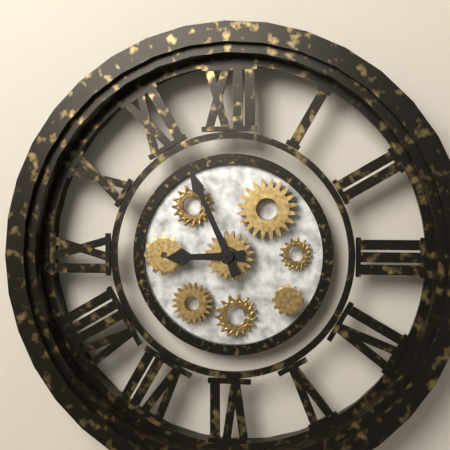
8:56
